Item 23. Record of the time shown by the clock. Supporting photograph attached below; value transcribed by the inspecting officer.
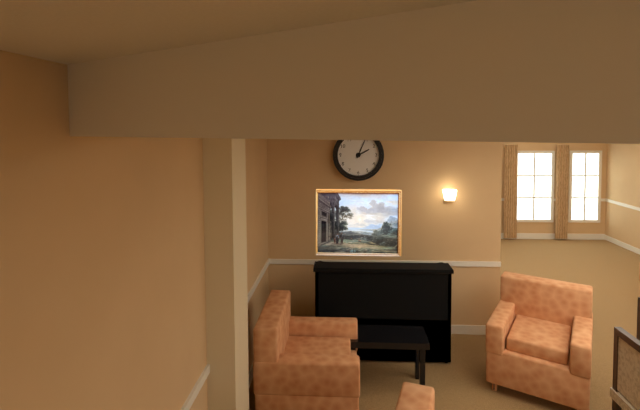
2:04
